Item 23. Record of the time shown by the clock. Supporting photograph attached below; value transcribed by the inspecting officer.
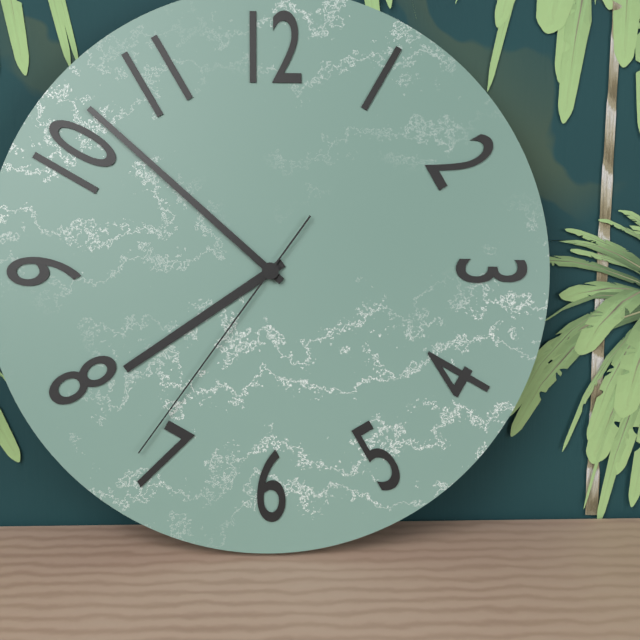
7:52:36
